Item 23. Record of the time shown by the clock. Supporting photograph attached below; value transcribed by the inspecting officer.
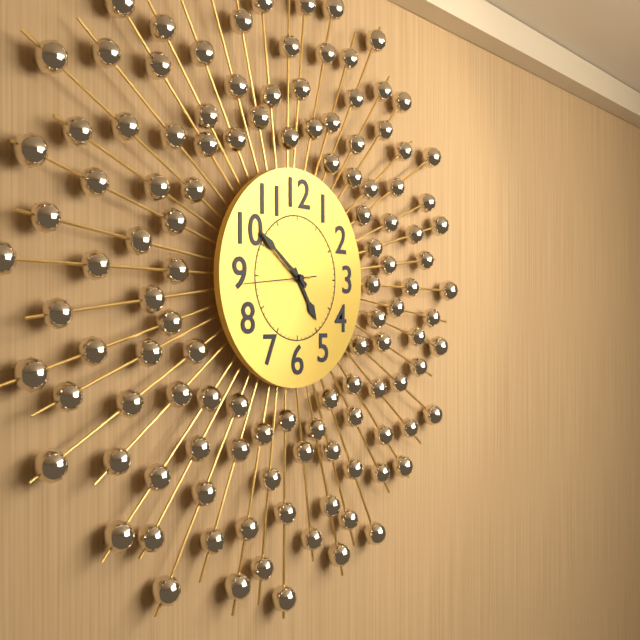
4:51:44
